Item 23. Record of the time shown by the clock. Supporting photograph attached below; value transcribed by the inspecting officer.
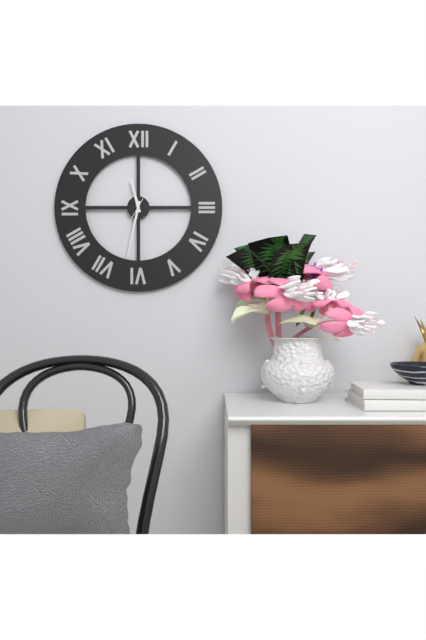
11:32:35
